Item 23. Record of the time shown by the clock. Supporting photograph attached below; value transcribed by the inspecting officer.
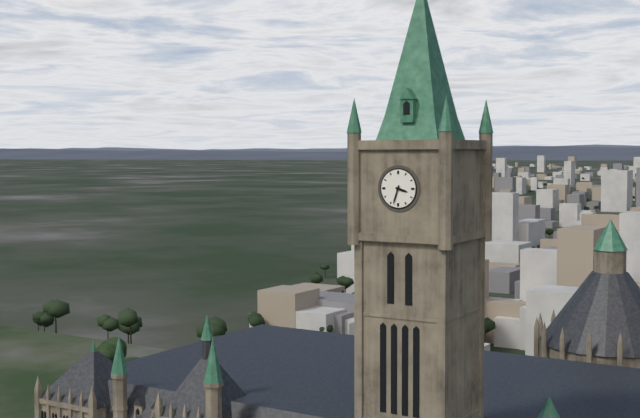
3:33
